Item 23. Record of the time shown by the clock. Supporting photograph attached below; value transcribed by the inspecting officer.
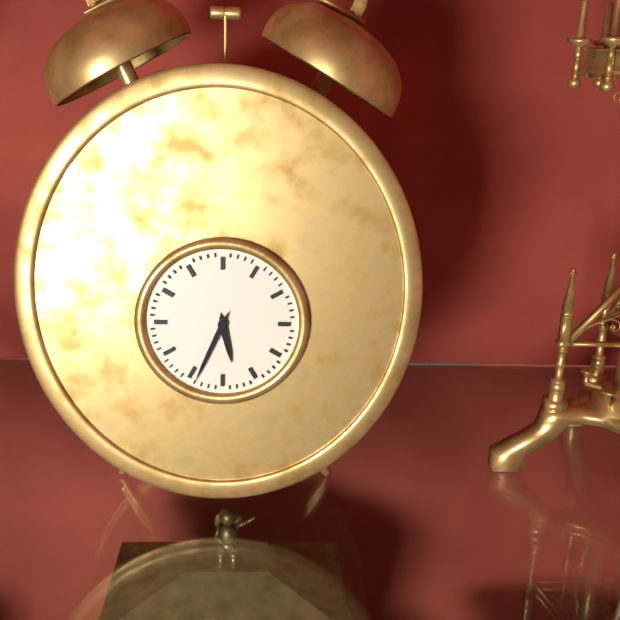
5:34
